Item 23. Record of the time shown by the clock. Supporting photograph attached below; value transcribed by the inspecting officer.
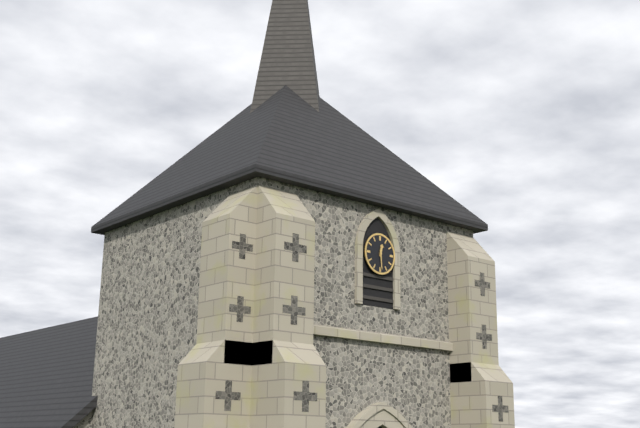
12:29
